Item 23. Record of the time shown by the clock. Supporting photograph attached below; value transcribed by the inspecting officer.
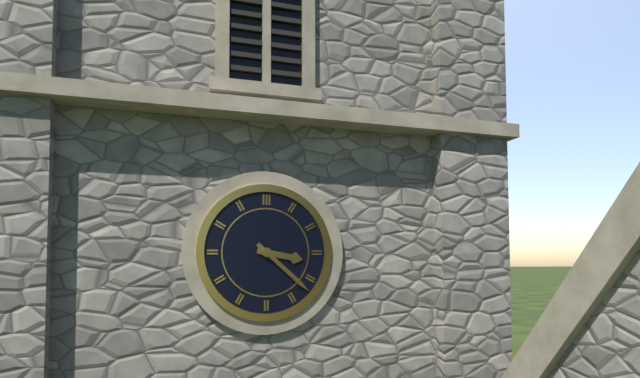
3:22
